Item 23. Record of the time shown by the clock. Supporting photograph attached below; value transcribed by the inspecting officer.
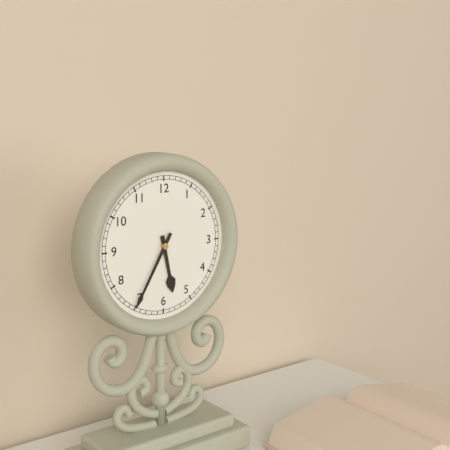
5:35
